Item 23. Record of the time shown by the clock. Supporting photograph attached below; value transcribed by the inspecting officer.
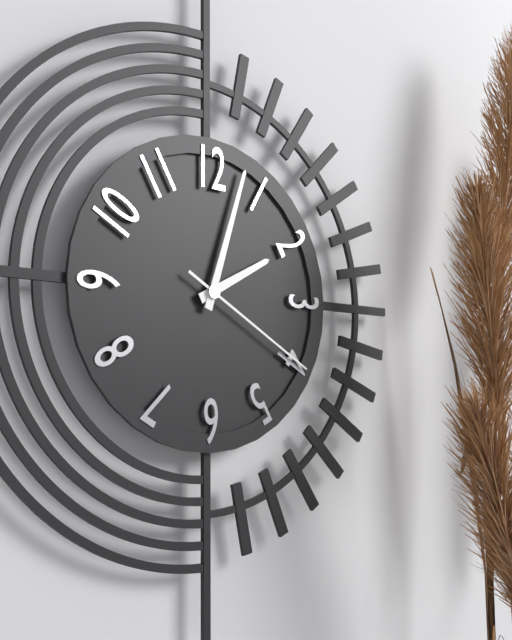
2:03:20
